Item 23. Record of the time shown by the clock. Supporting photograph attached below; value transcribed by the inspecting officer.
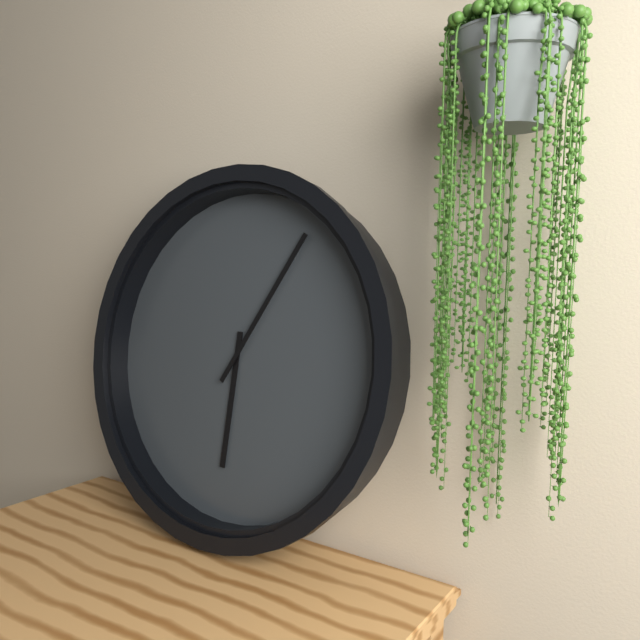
6:05
